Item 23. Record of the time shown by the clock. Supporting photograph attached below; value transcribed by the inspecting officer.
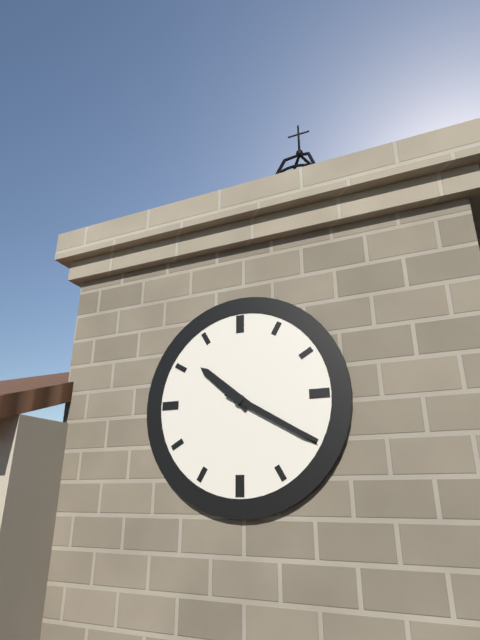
10:20
